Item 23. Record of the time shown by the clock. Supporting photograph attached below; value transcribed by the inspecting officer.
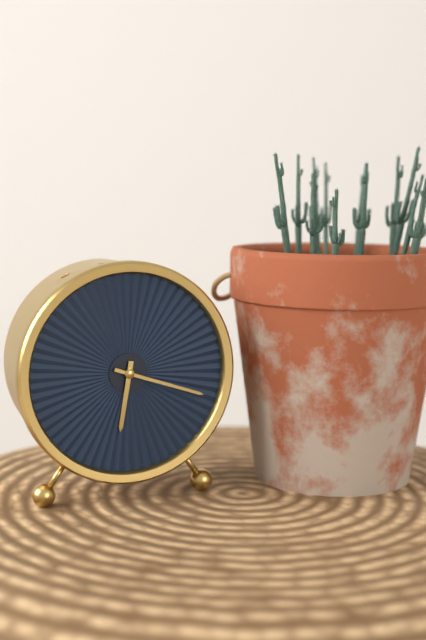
6:18
